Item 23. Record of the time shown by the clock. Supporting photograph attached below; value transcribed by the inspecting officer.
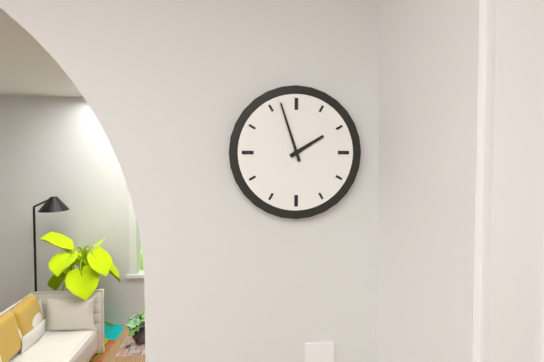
1:57
